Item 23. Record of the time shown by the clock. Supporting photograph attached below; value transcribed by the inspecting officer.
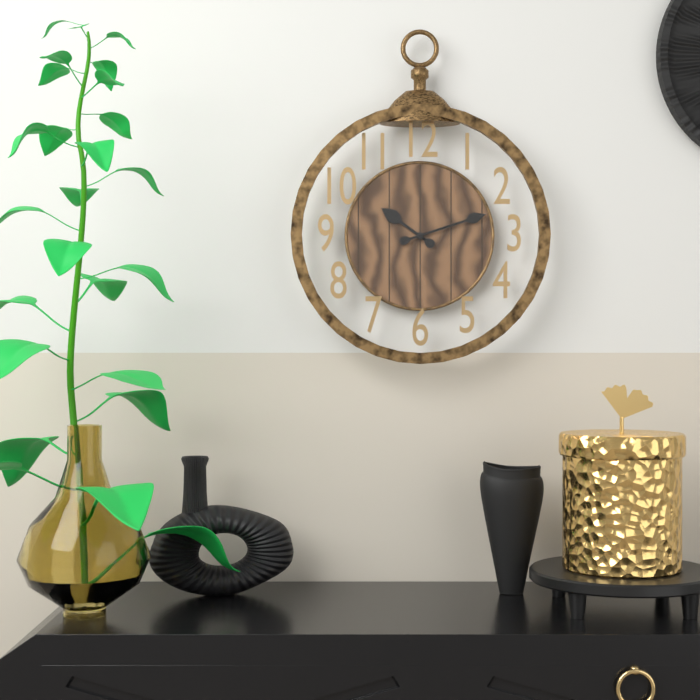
10:12
